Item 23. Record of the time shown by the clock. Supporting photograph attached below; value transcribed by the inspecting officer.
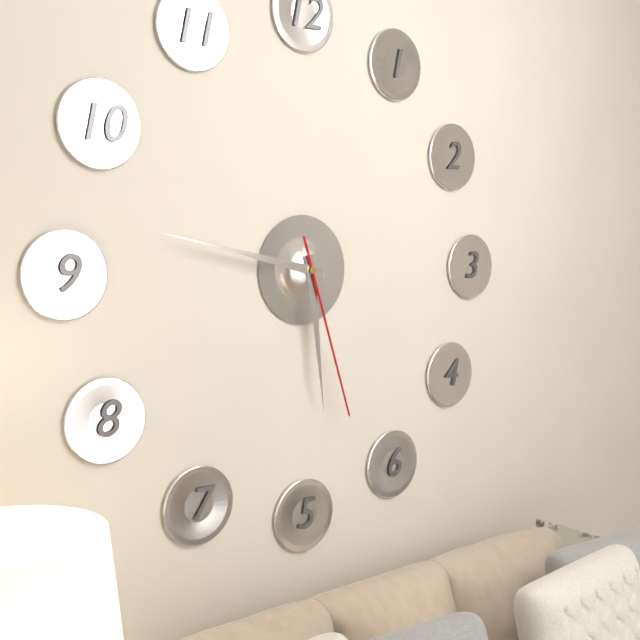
5:47:27
